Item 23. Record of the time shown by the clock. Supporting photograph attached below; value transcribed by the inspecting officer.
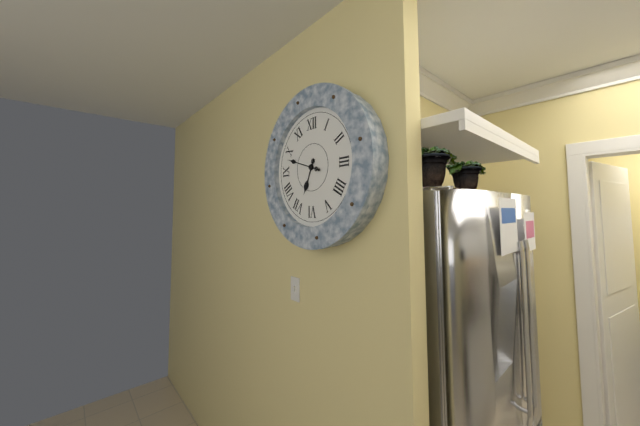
6:48
